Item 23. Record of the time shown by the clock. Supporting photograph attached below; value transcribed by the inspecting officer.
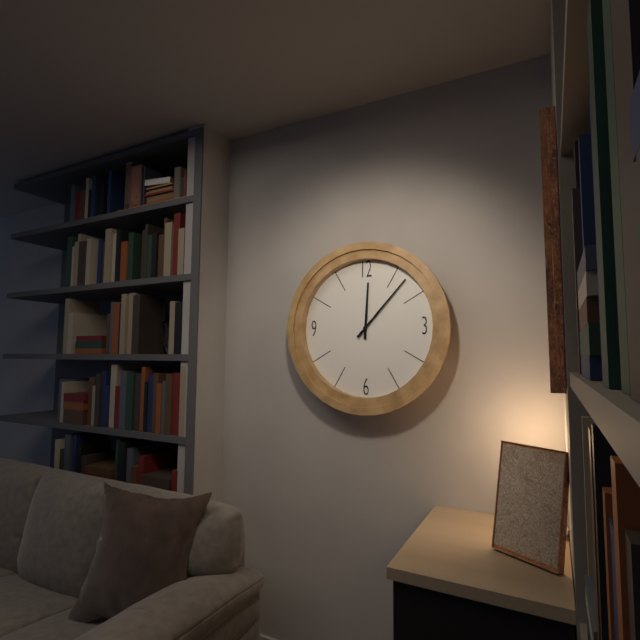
12:07
